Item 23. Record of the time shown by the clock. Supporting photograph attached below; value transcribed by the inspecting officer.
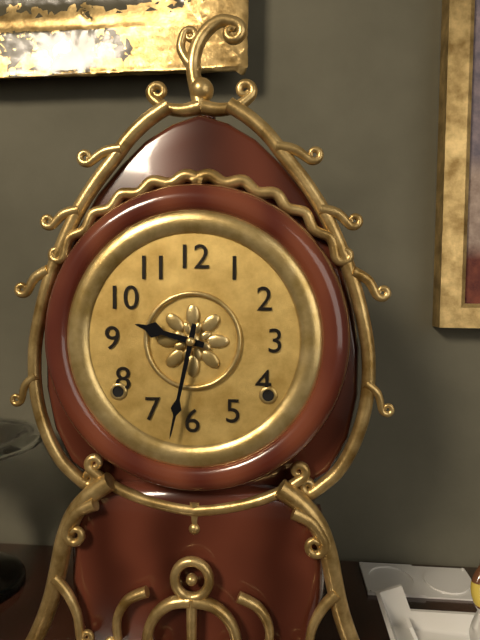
9:32
